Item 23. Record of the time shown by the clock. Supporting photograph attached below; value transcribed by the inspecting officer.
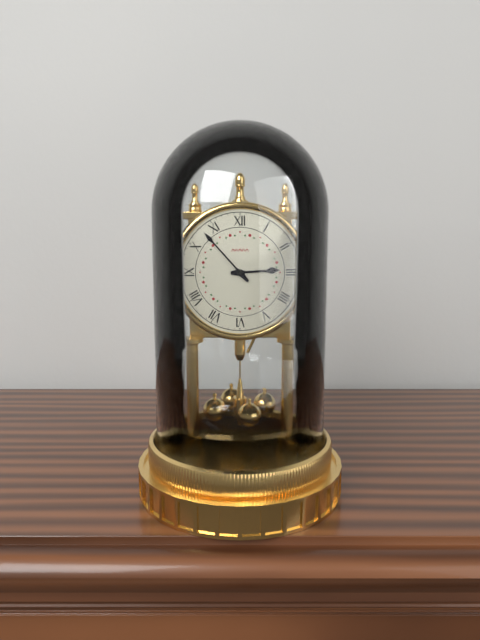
2:53
